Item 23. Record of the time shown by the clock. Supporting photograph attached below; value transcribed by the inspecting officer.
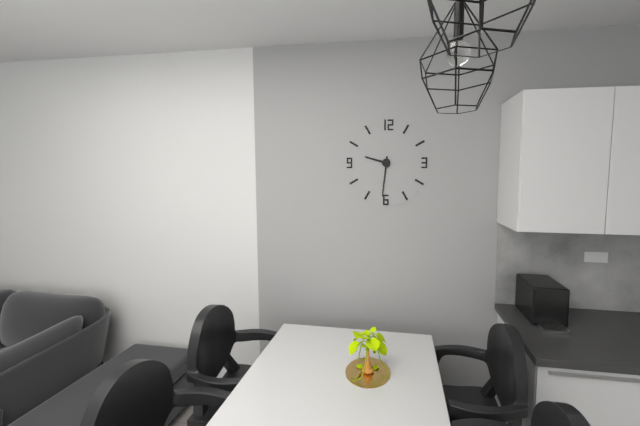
9:31
